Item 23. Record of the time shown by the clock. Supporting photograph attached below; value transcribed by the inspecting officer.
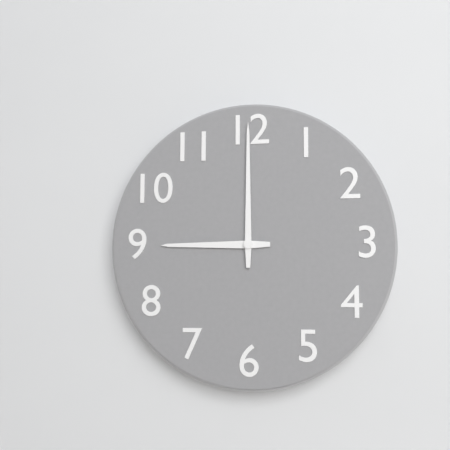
9:00
